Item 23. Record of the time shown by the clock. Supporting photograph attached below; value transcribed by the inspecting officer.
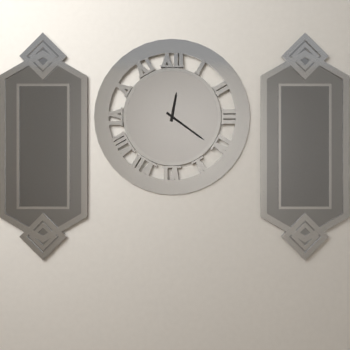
12:21
